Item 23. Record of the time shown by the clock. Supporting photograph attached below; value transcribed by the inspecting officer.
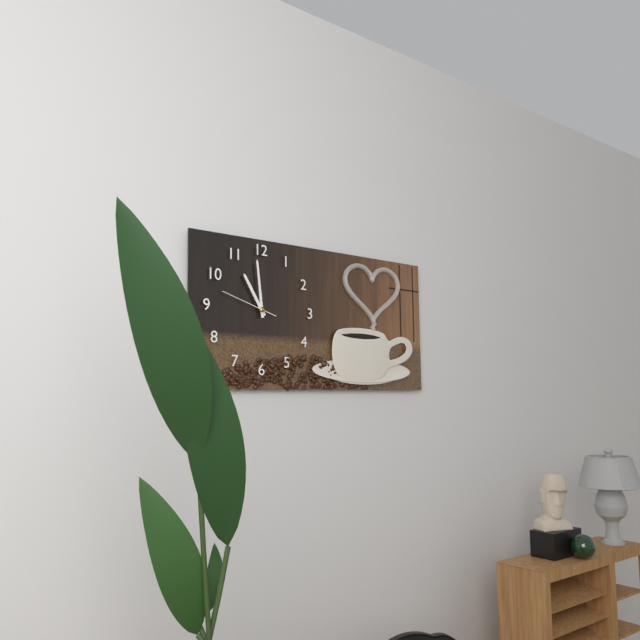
10:59:48
